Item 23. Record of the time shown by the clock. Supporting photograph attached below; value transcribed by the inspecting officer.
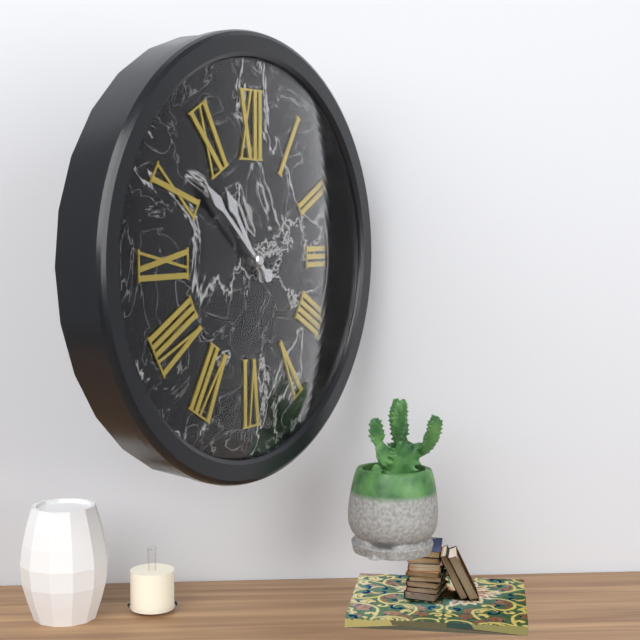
10:52
